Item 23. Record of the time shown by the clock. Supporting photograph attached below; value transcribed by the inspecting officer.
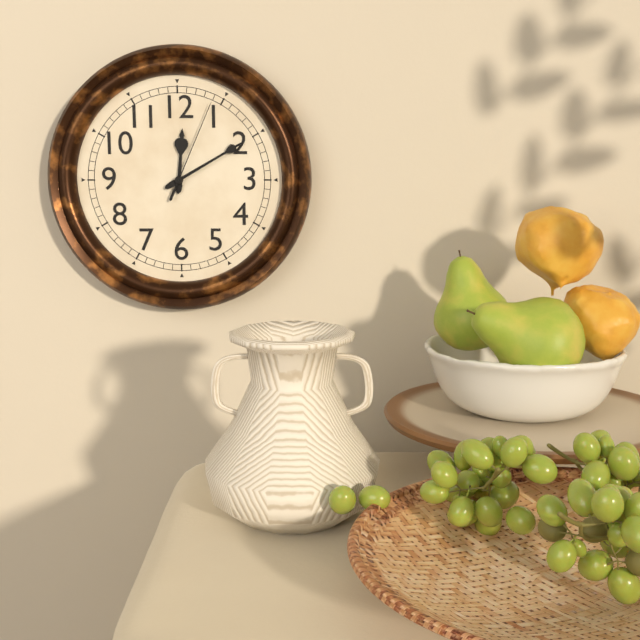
12:10:04
